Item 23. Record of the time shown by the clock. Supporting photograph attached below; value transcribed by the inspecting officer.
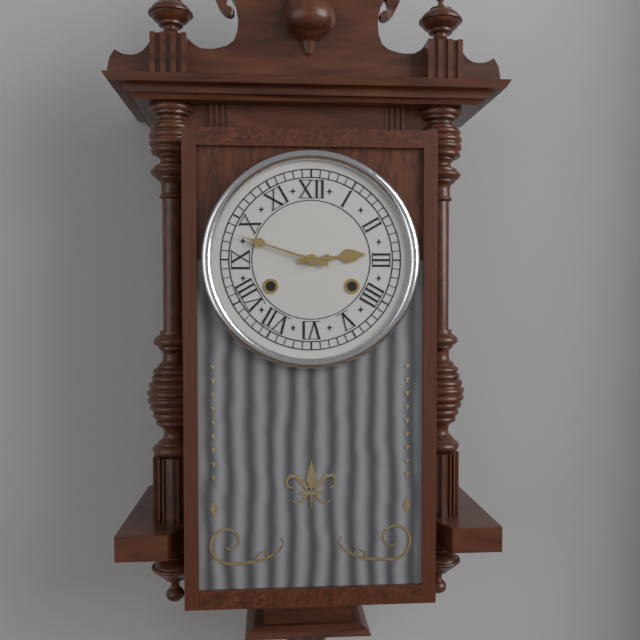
2:48
